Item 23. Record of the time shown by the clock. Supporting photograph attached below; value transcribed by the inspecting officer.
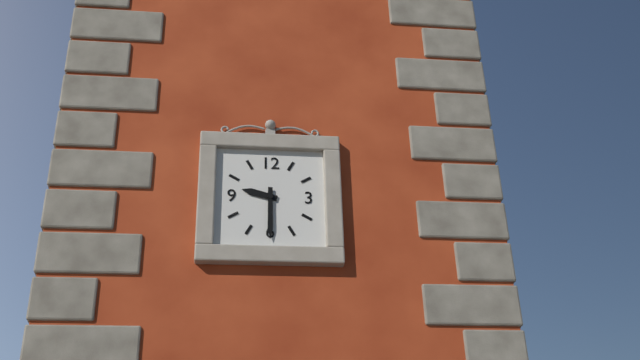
9:30
